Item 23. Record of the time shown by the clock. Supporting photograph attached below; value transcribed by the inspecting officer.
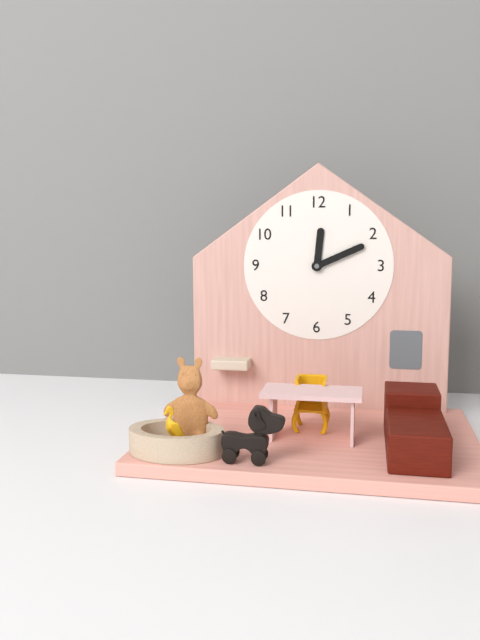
12:11
